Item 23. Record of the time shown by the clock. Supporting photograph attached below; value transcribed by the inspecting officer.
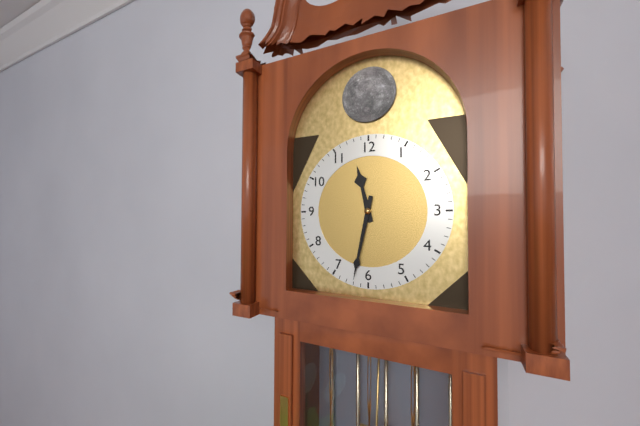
11:32
